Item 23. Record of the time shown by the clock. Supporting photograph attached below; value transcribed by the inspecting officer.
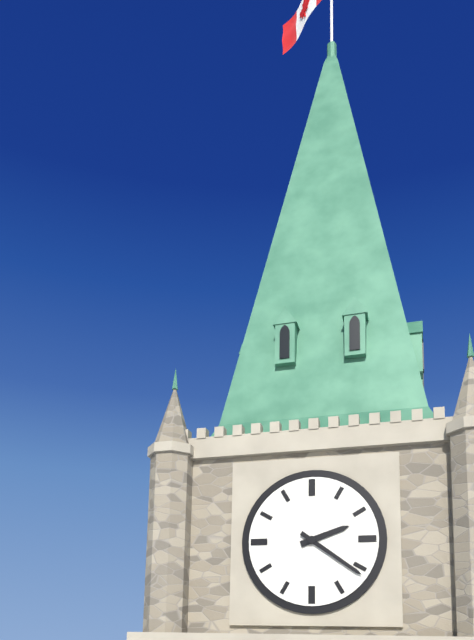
2:21
